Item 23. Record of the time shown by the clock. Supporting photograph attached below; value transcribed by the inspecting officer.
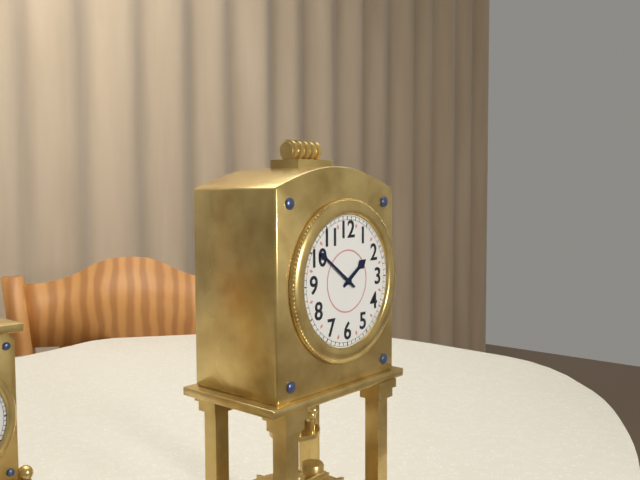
1:51
